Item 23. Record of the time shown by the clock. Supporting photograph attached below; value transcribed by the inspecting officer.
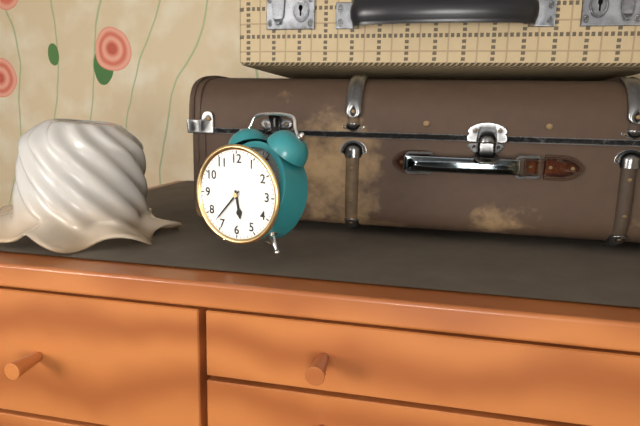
5:37
